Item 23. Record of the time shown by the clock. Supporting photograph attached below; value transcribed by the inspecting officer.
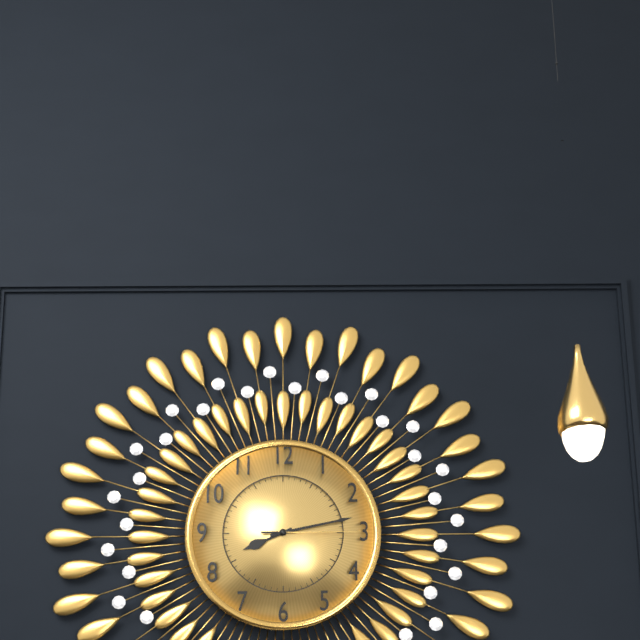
8:13:15
